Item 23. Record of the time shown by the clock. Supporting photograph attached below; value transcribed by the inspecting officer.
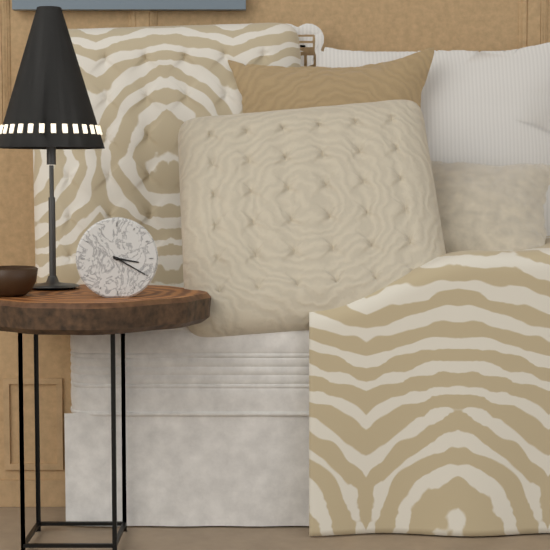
3:20
